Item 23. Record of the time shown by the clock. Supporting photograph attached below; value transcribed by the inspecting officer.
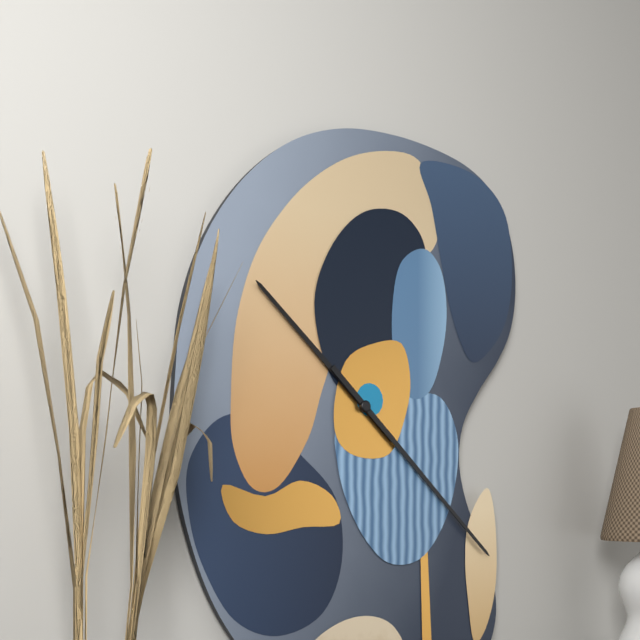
10:22
